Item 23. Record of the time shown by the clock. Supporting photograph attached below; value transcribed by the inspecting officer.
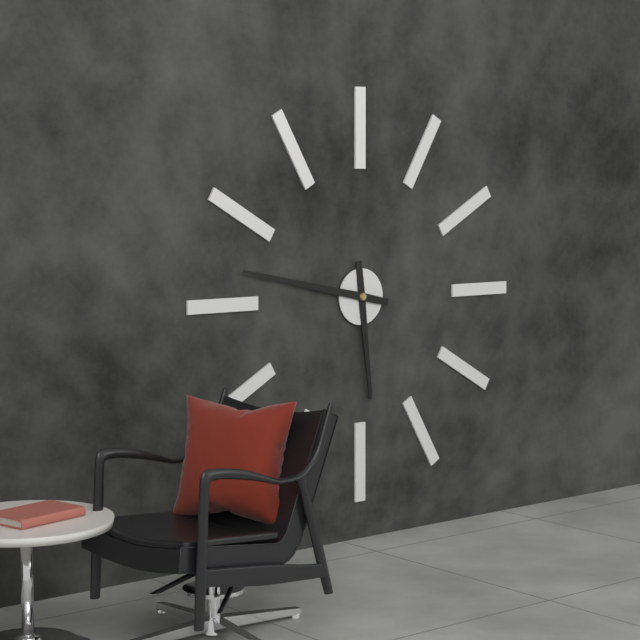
5:47
